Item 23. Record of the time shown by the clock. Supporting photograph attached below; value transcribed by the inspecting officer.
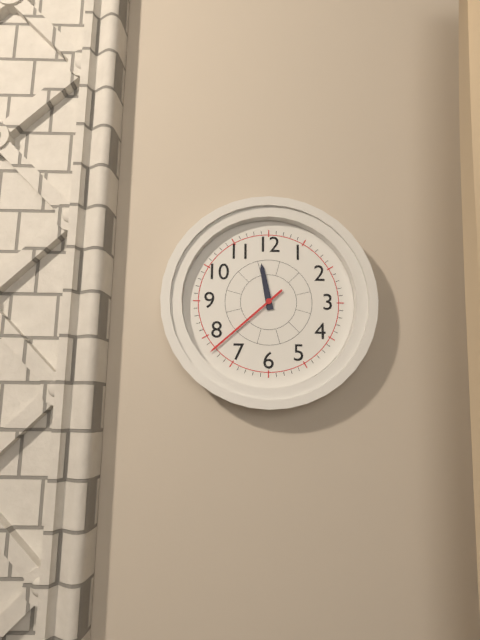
11:38
